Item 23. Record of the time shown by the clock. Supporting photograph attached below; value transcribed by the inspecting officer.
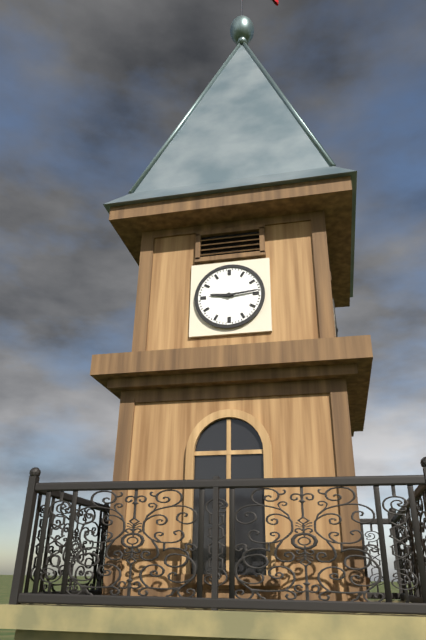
9:14
